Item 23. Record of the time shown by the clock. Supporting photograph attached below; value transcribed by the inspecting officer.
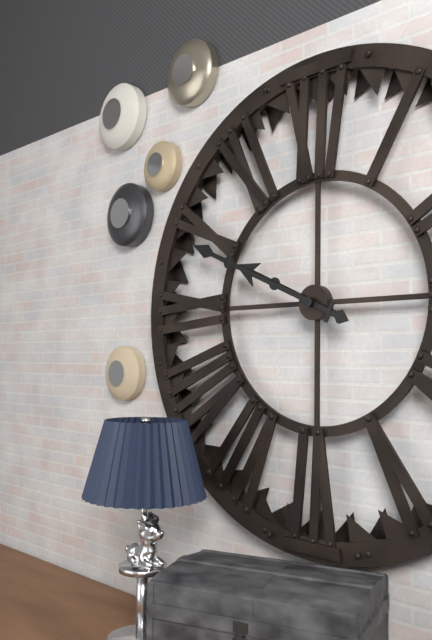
9:49
